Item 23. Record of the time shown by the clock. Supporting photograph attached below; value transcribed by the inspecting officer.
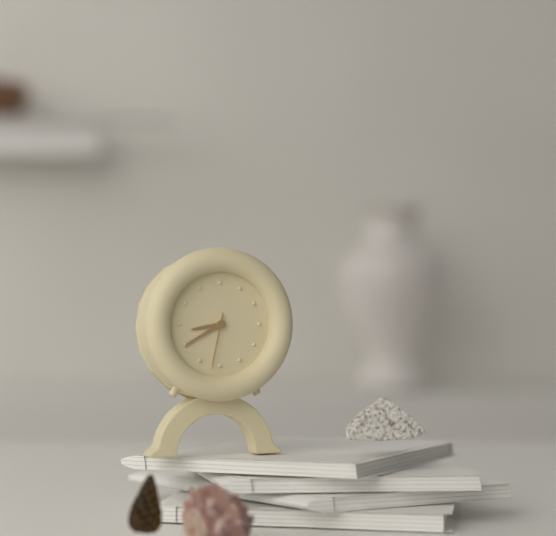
8:40:32
